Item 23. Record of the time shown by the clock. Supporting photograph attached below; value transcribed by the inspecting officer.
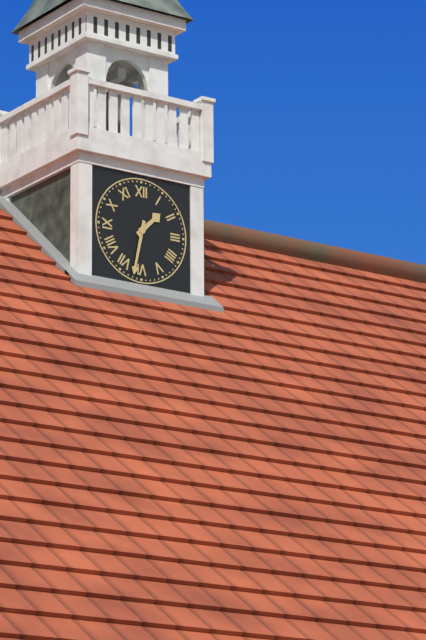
1:32
